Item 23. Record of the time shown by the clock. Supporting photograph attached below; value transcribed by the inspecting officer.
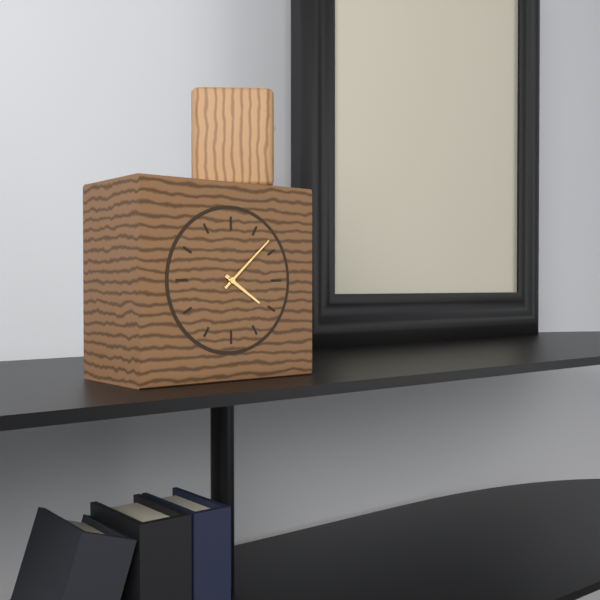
4:08
